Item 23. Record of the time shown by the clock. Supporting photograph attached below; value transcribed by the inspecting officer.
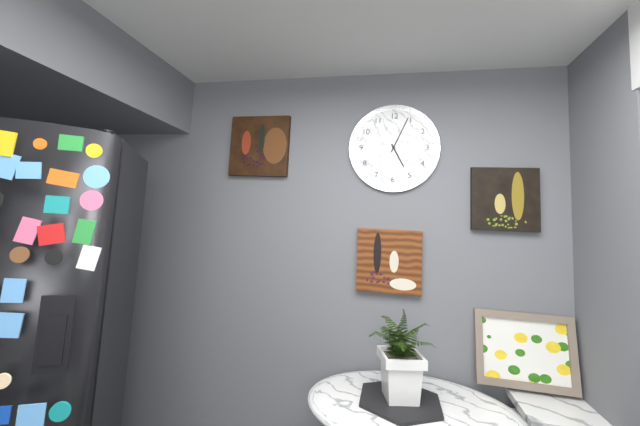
5:04
